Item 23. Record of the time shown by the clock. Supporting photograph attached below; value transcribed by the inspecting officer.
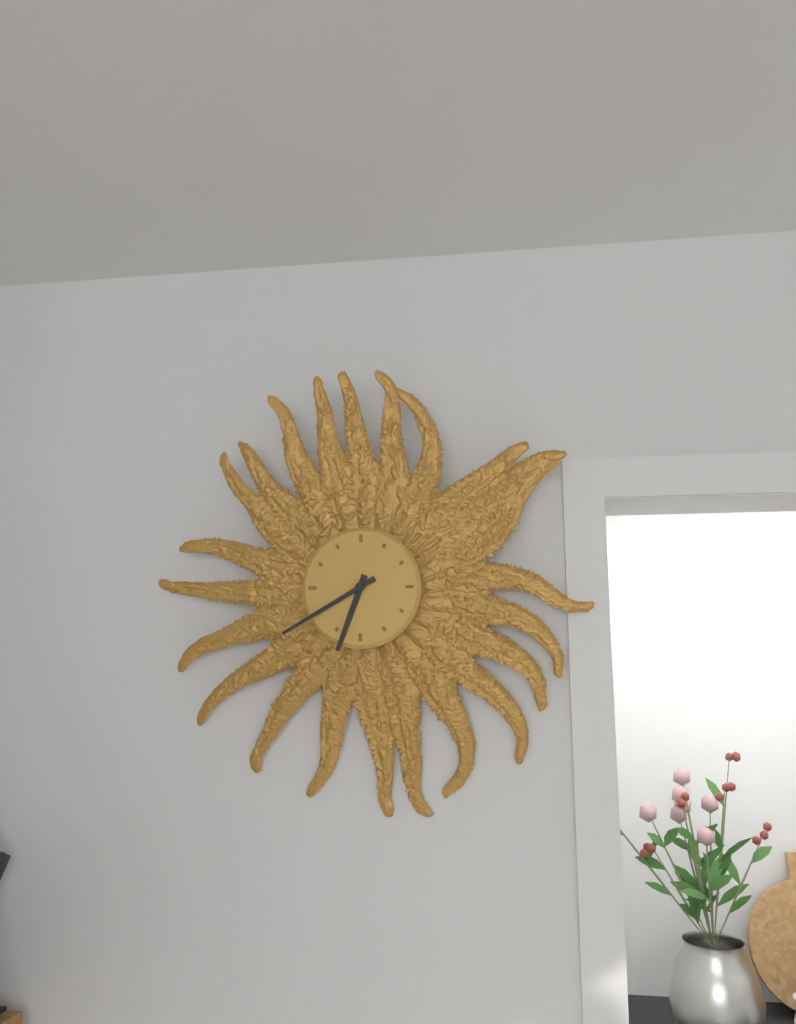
6:40
